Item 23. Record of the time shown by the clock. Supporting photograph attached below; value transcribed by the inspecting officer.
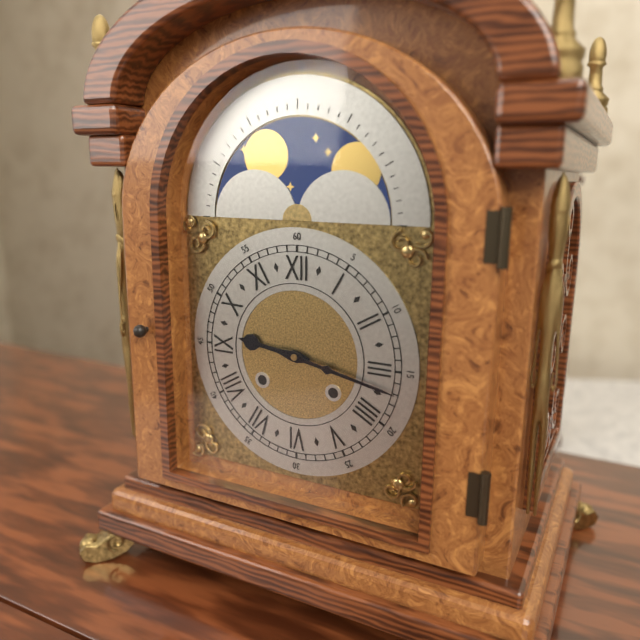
9:17
